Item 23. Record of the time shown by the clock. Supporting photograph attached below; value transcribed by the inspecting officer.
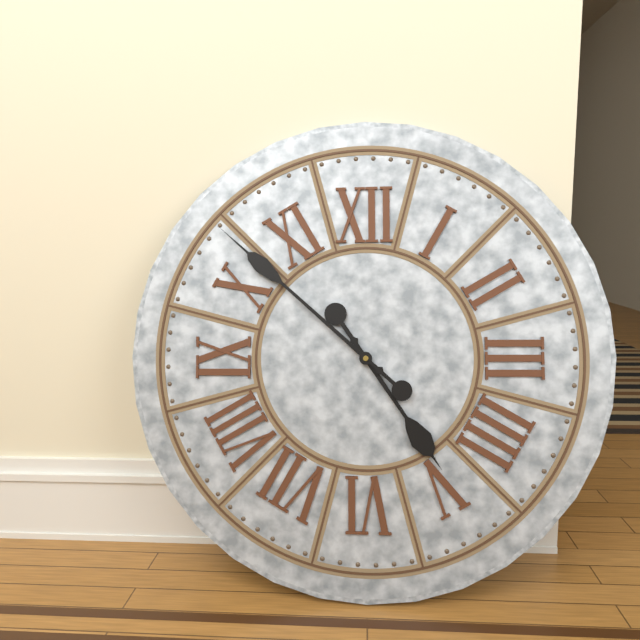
4:52
